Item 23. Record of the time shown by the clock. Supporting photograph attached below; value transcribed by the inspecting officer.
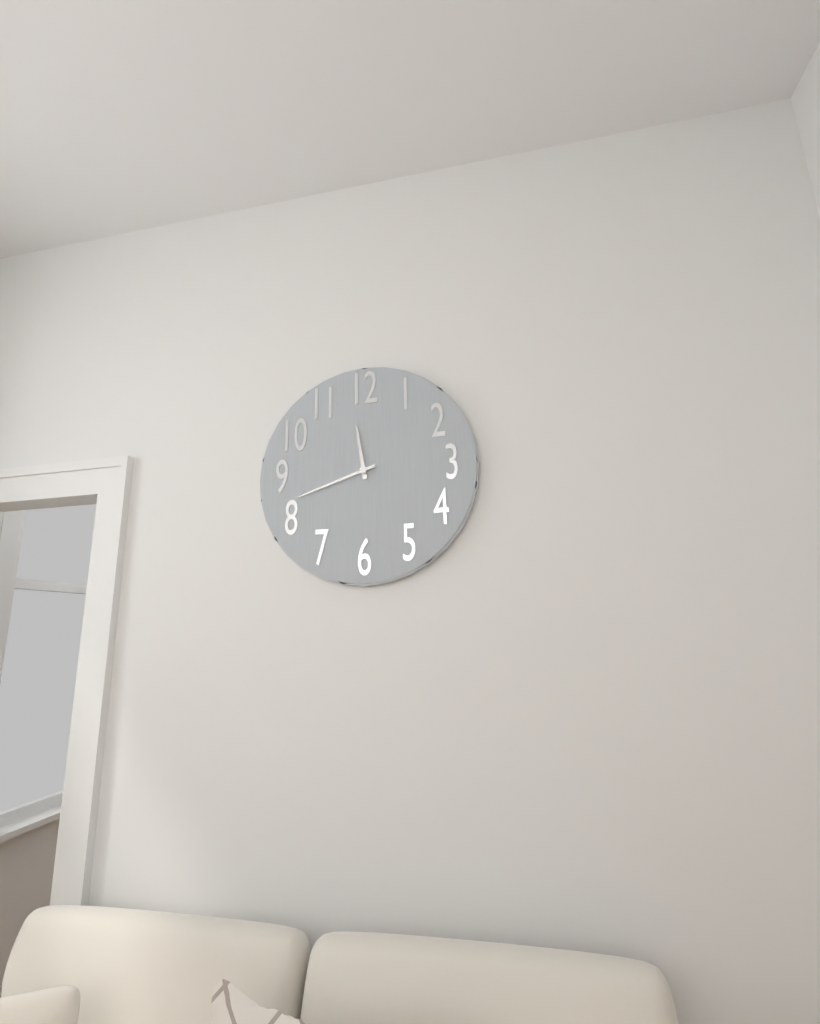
11:42
